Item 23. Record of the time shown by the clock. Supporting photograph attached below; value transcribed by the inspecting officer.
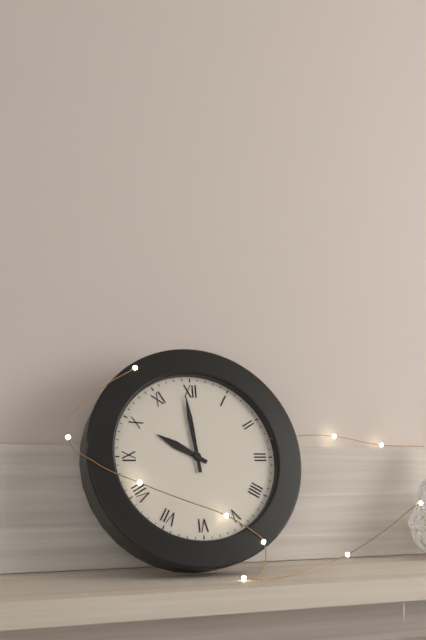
9:59
